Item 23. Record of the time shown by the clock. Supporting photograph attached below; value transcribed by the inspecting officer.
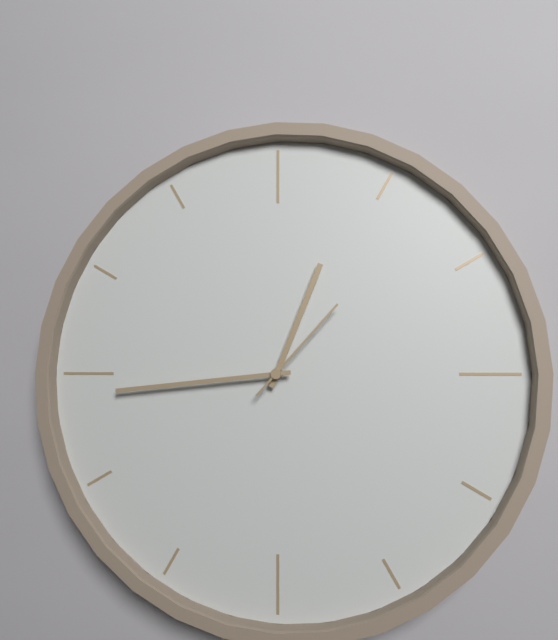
12:44:07
